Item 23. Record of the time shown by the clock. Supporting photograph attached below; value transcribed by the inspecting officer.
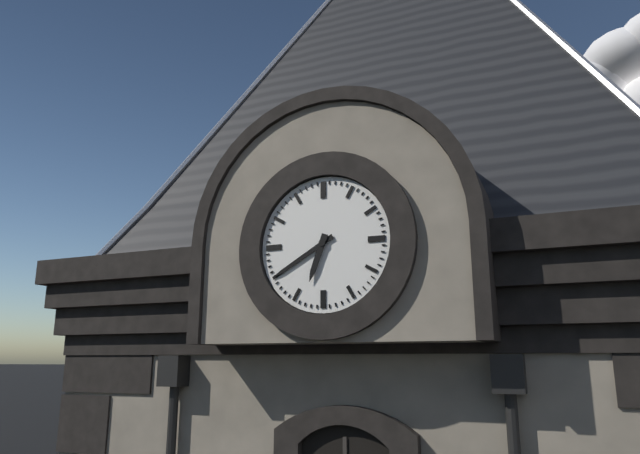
6:40
